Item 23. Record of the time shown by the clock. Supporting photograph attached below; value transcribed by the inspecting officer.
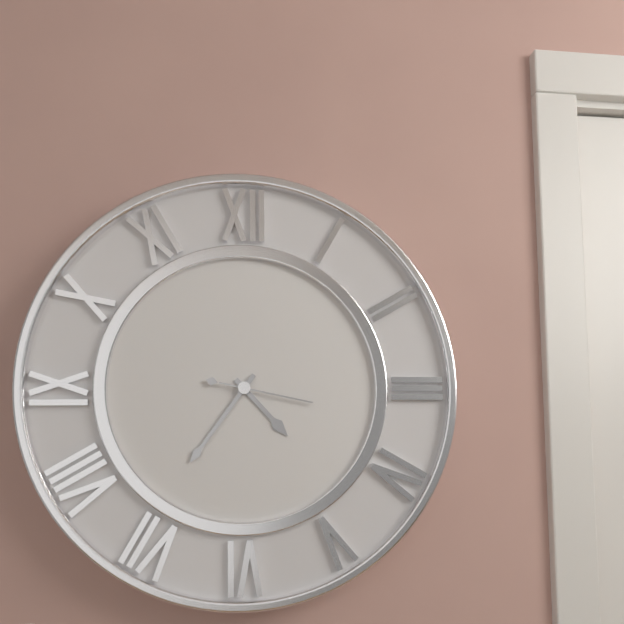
4:36:17
